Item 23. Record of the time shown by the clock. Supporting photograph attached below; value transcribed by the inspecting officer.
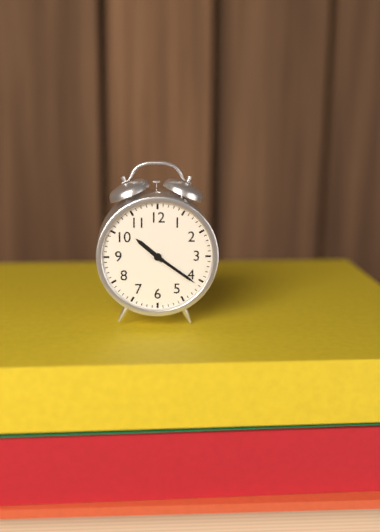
10:21
